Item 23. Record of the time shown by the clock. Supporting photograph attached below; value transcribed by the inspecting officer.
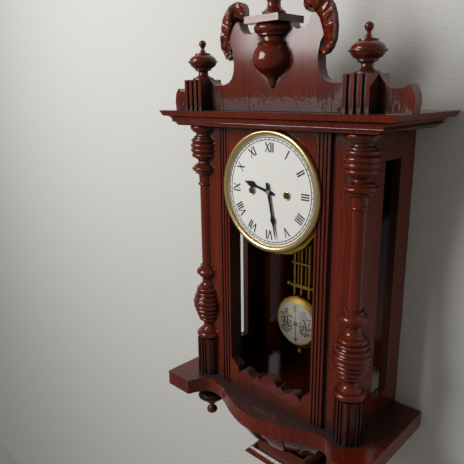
9:28
